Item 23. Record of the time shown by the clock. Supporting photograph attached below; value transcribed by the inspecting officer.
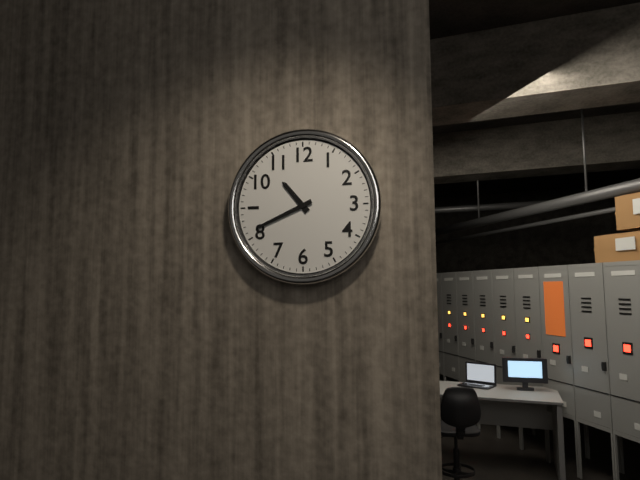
10:41
